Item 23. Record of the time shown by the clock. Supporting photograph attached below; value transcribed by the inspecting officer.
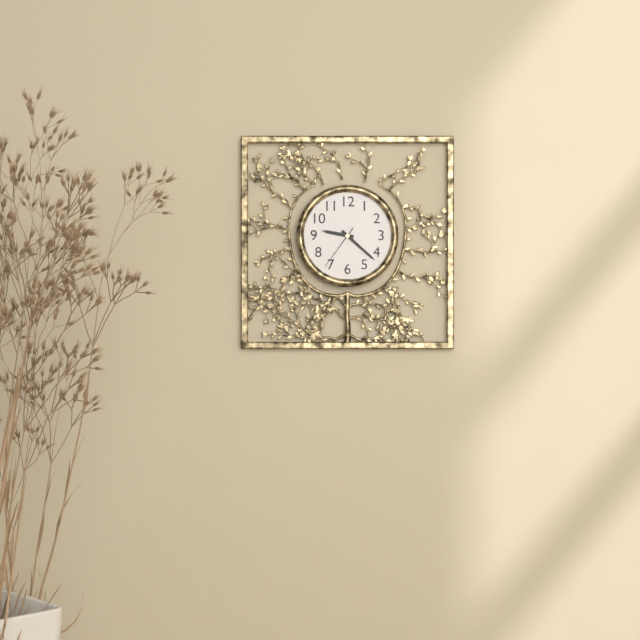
9:22
